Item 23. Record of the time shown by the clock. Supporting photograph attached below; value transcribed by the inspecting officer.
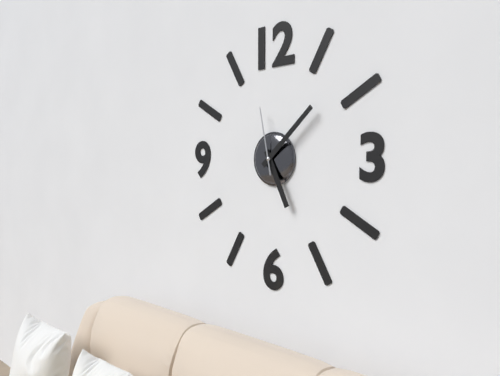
5:08:58
